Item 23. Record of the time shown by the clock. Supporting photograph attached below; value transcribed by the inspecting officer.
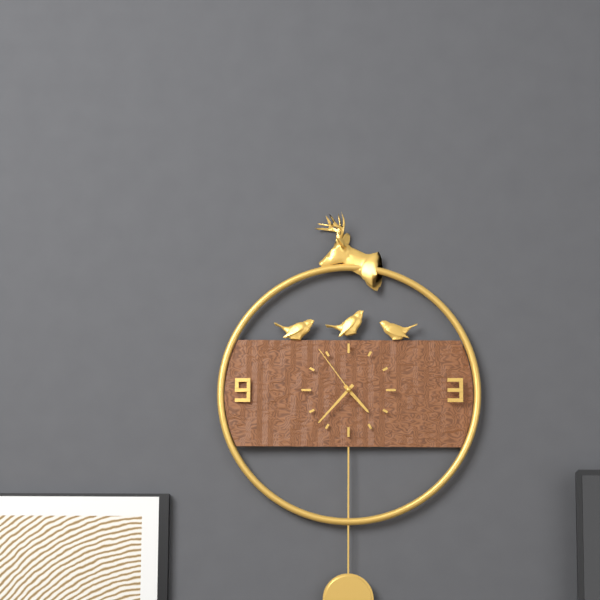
4:37:54
